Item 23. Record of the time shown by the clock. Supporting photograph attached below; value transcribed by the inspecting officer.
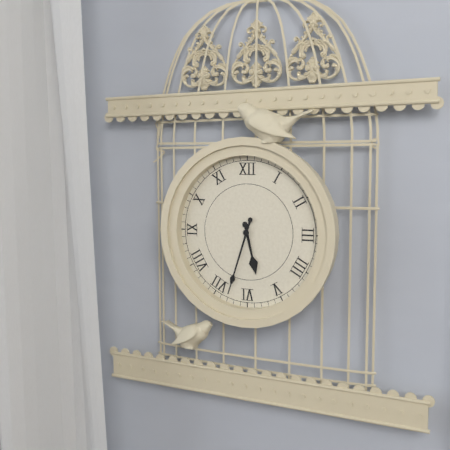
5:33
